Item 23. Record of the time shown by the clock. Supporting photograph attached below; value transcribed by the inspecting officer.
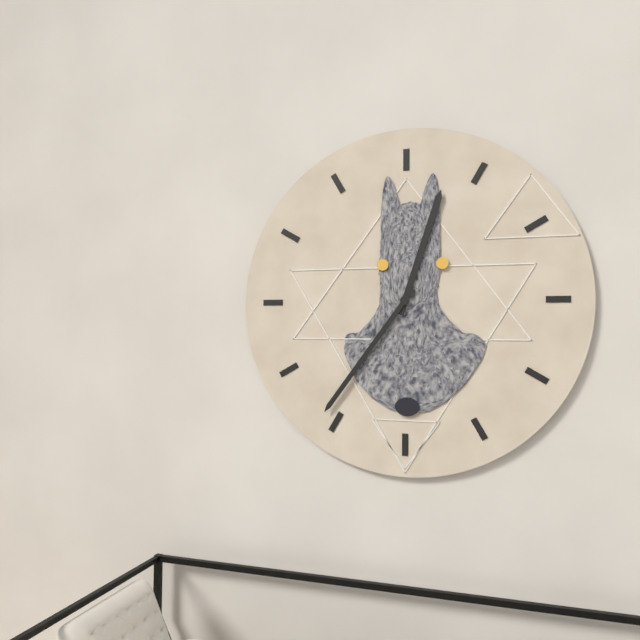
12:36
